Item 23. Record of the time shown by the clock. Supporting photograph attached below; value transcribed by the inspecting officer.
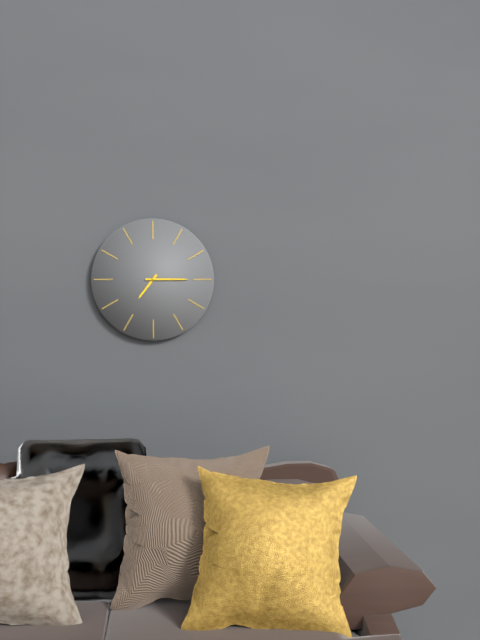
7:15
